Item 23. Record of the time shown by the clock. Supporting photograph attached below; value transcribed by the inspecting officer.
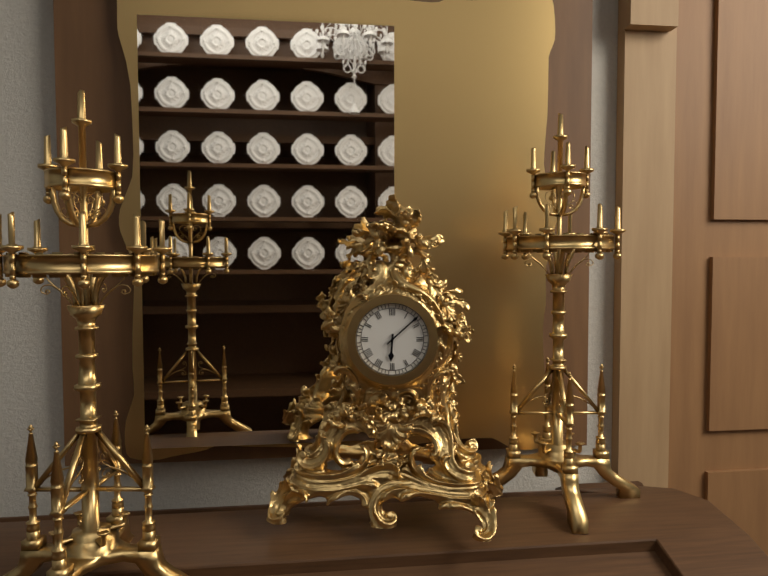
6:08
